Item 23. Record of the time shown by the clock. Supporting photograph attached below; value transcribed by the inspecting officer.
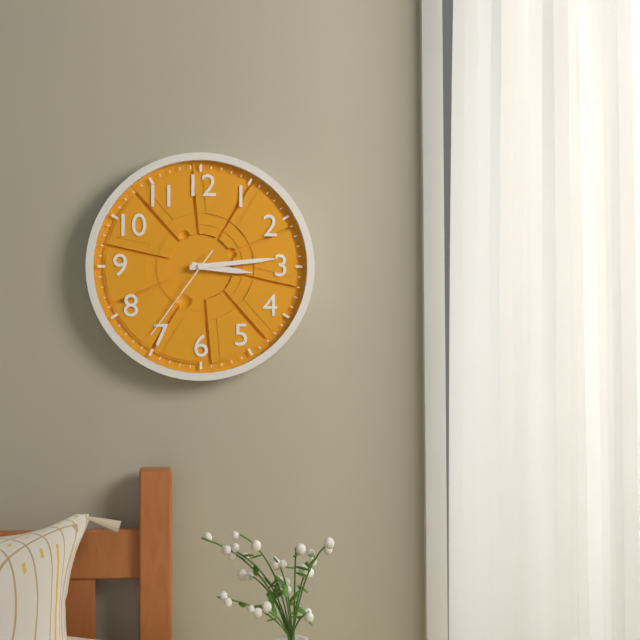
3:14:36
